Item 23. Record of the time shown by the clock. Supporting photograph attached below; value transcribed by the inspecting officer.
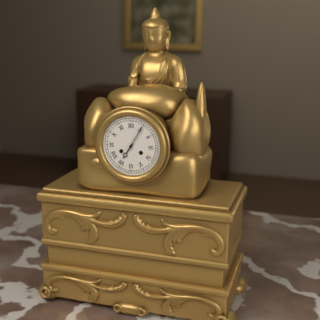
7:05
